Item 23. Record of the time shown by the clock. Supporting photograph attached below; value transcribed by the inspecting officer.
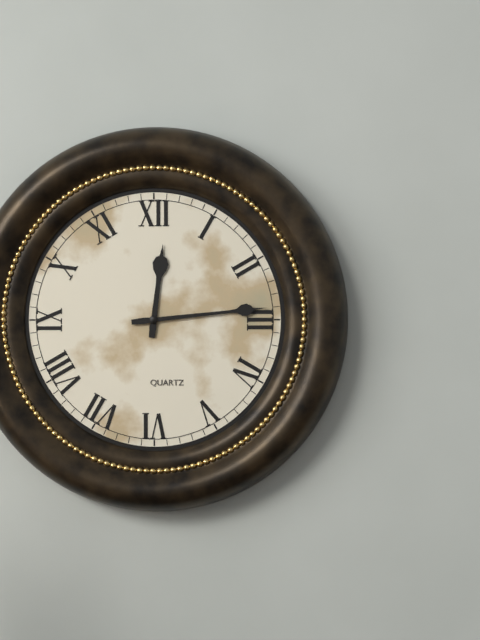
12:14
